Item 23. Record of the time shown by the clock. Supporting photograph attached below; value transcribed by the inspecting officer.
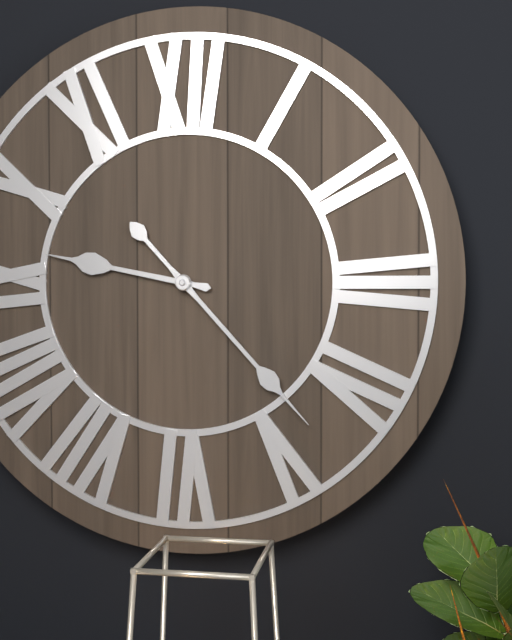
9:23
